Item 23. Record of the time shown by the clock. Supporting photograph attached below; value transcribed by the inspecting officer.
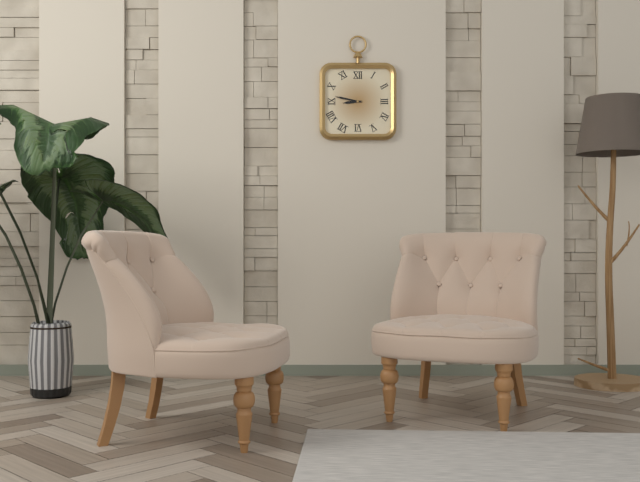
8:47
